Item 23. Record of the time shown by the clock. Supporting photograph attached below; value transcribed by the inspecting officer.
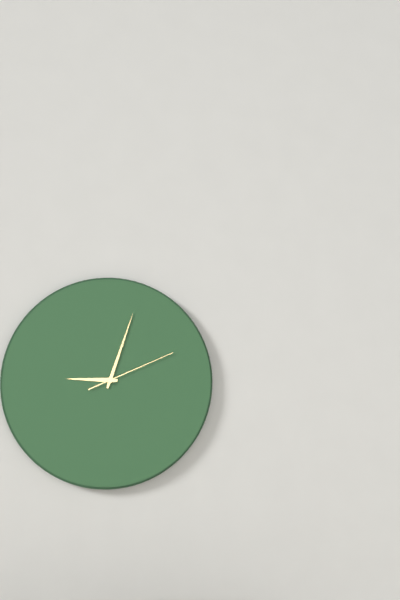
9:03:11
